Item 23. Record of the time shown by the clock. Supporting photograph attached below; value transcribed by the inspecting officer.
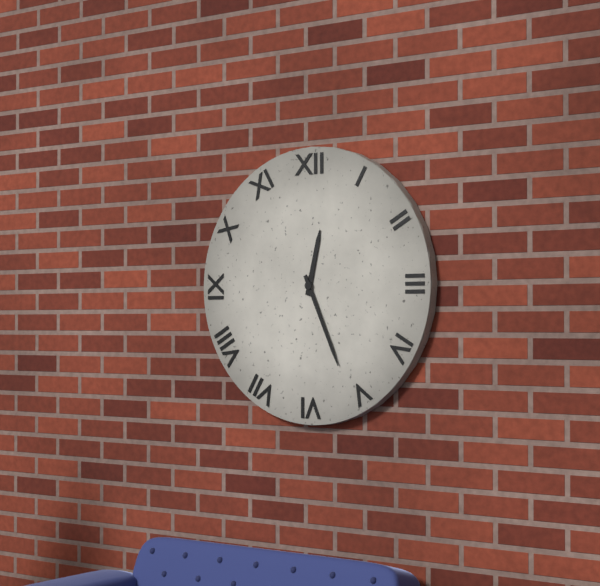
12:26
